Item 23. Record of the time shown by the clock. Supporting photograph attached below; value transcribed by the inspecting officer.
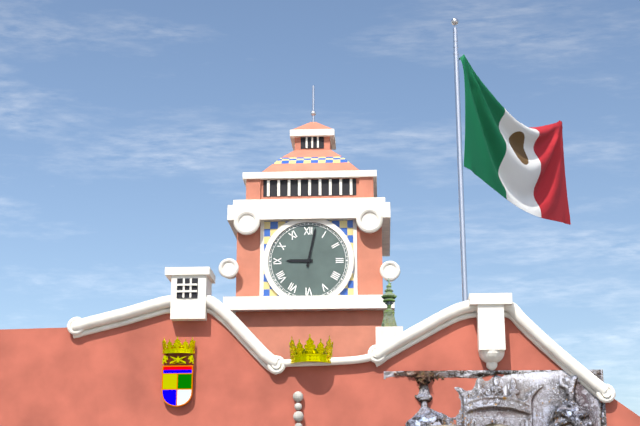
9:02
